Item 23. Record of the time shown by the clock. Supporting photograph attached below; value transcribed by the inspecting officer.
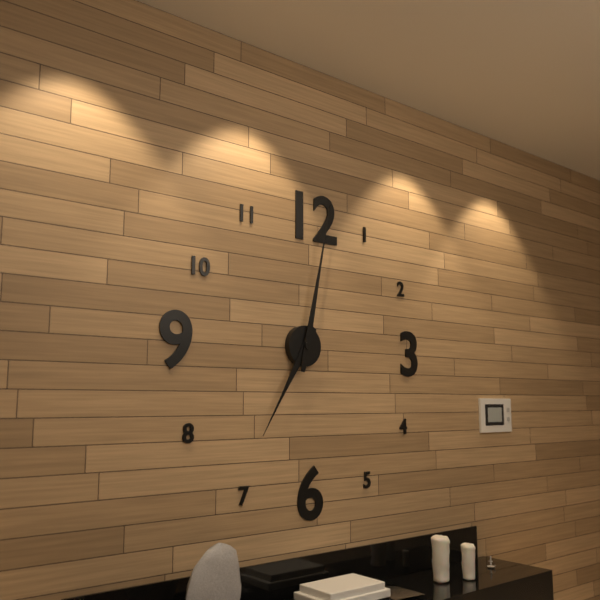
7:02
